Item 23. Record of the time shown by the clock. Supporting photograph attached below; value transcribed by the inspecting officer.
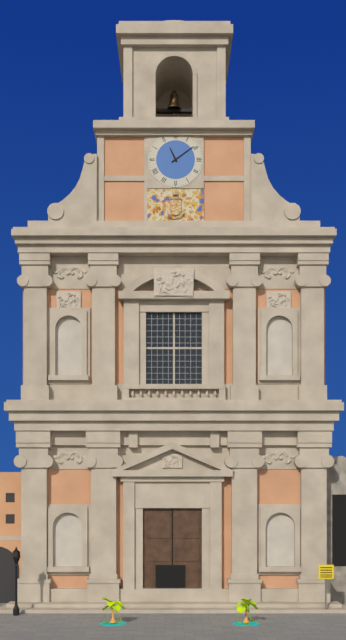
11:09
